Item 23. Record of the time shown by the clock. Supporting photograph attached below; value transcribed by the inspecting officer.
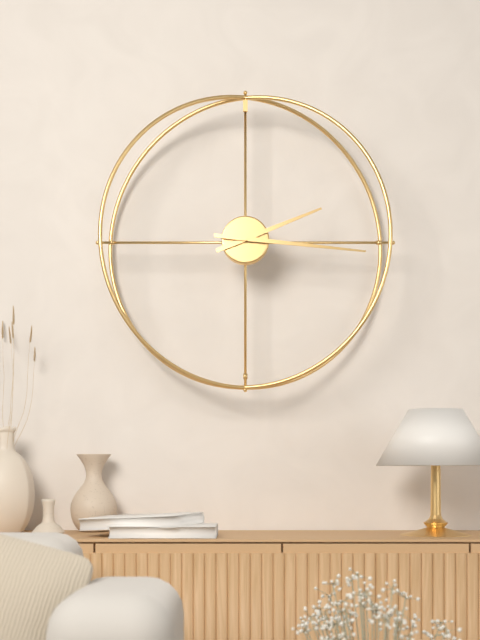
2:16
